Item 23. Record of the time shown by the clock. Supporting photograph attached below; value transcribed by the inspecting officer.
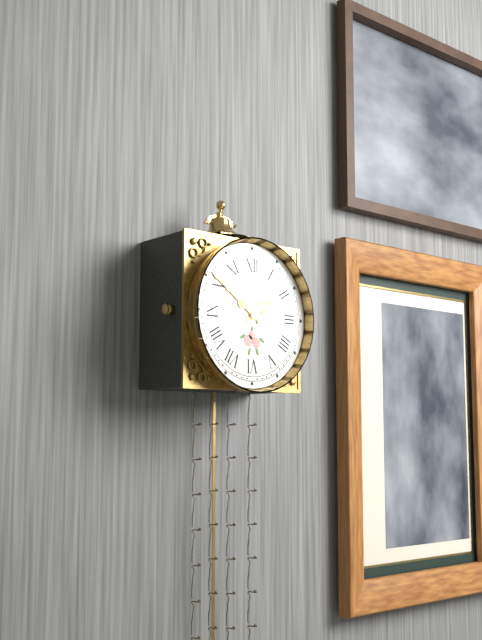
1:51
